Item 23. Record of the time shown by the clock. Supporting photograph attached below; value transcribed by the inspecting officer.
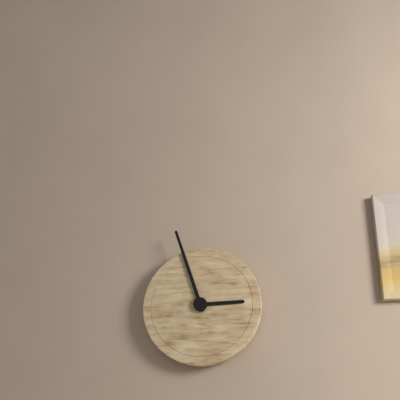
2:57
